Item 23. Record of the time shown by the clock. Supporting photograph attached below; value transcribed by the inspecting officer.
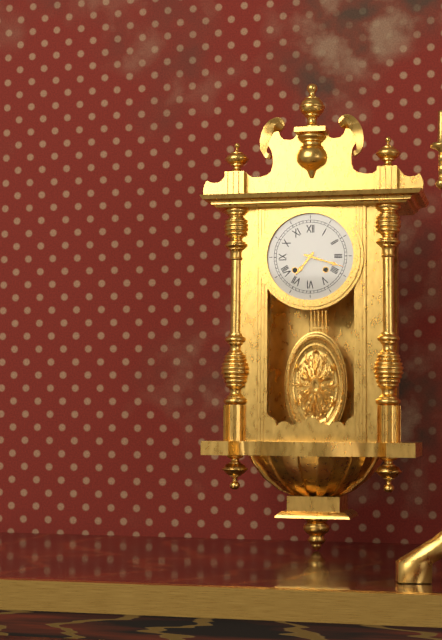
7:18
